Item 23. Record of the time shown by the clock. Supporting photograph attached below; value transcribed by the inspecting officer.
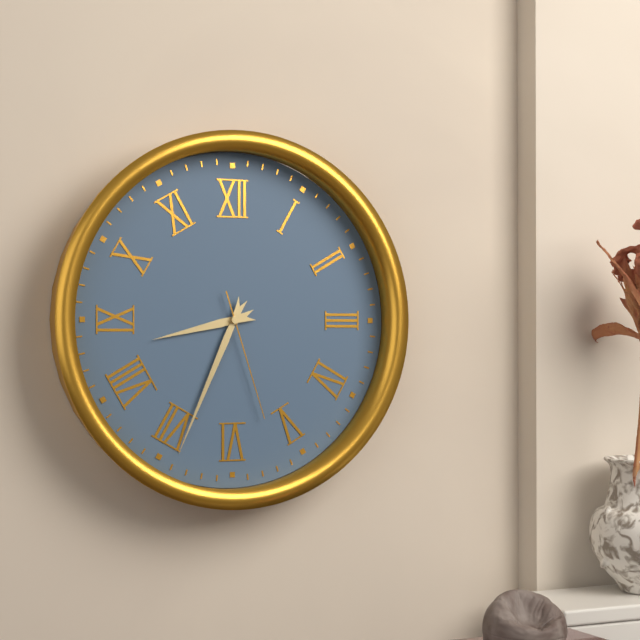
8:34:27
